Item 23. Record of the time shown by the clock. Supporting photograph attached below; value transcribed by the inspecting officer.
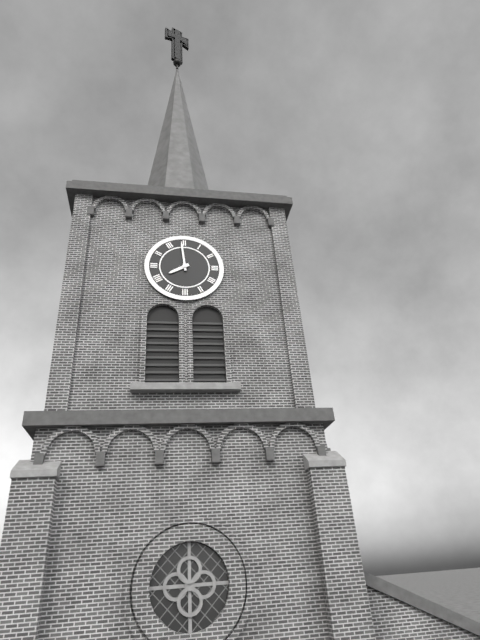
7:59
